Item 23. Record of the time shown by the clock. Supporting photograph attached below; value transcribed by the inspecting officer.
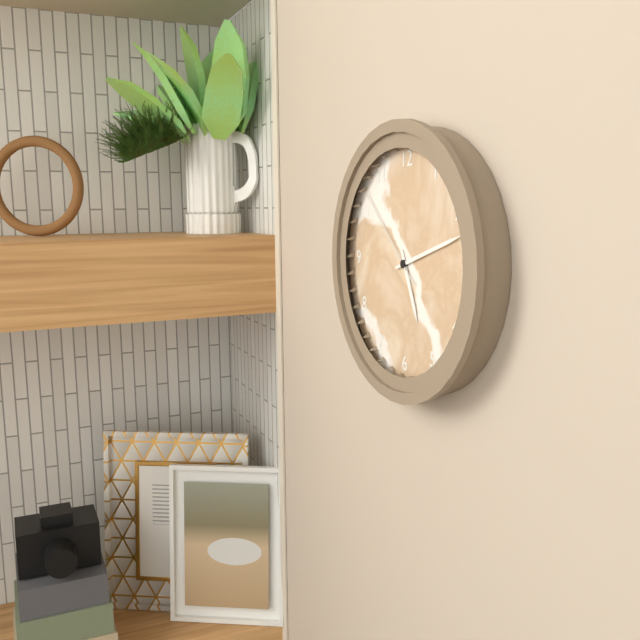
5:12:52
